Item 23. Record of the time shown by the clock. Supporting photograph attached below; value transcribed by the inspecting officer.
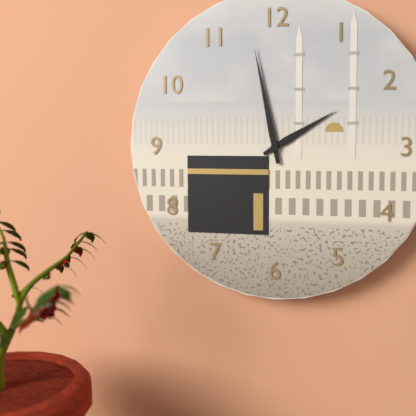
1:58
